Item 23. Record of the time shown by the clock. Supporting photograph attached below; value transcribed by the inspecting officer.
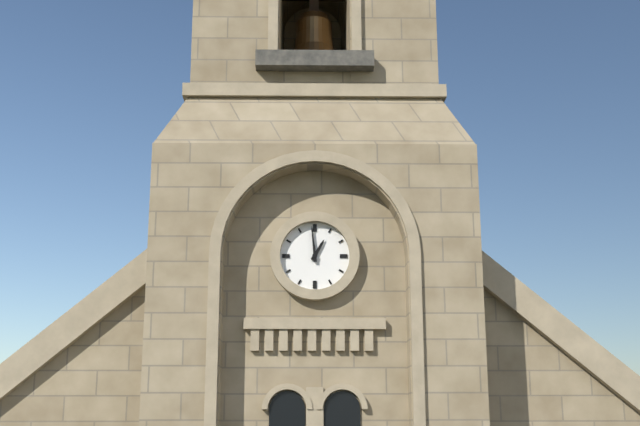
12:59
